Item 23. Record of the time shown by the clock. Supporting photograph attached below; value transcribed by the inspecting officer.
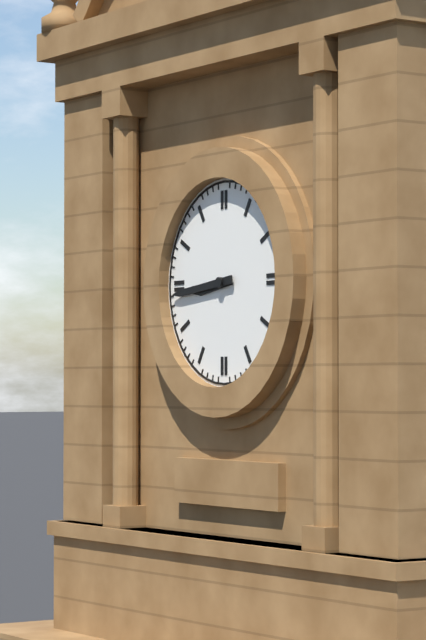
8:44
